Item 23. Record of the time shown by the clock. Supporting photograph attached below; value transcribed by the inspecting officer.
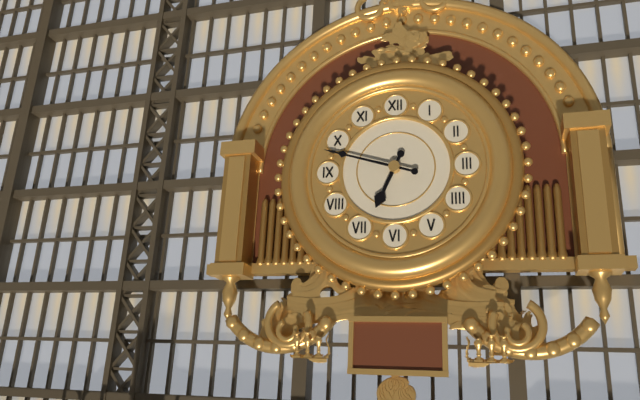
6:48
